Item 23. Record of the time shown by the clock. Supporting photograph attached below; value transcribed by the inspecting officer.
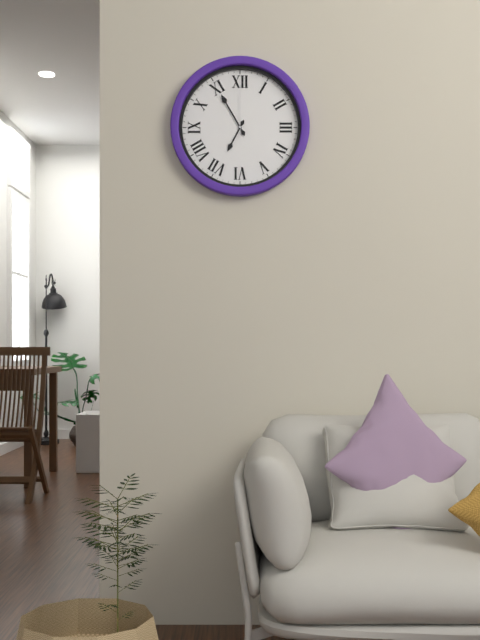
6:55:00
